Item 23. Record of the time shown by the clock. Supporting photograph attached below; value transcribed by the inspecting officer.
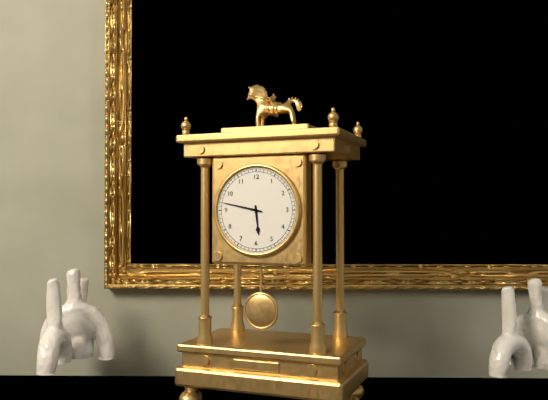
5:47
